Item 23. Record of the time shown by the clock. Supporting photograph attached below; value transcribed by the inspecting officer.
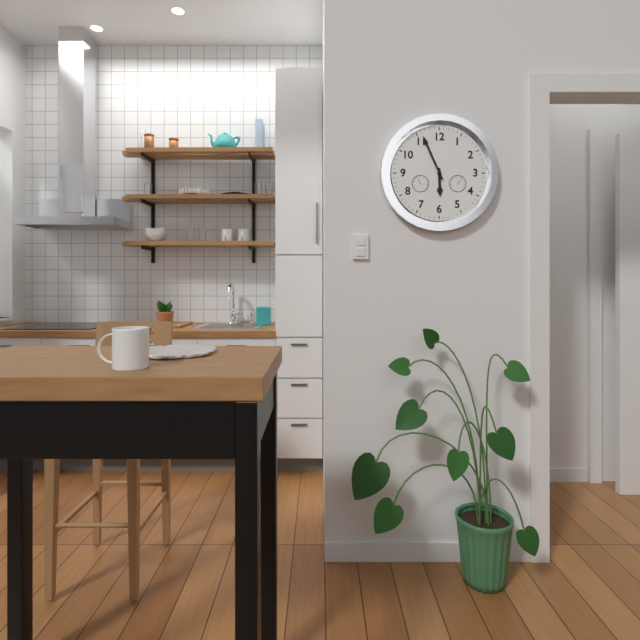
5:56
